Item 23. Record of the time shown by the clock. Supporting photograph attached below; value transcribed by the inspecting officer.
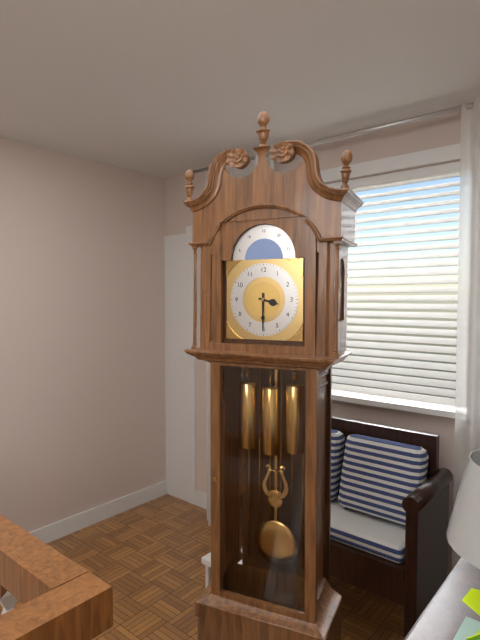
3:30
